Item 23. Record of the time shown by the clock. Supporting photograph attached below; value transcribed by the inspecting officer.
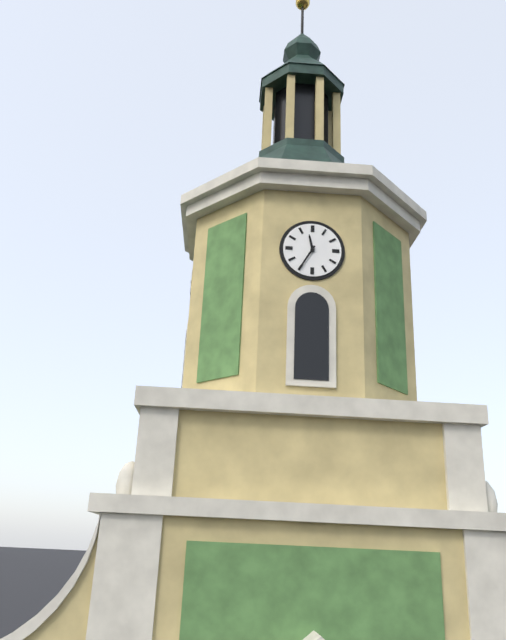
11:35
